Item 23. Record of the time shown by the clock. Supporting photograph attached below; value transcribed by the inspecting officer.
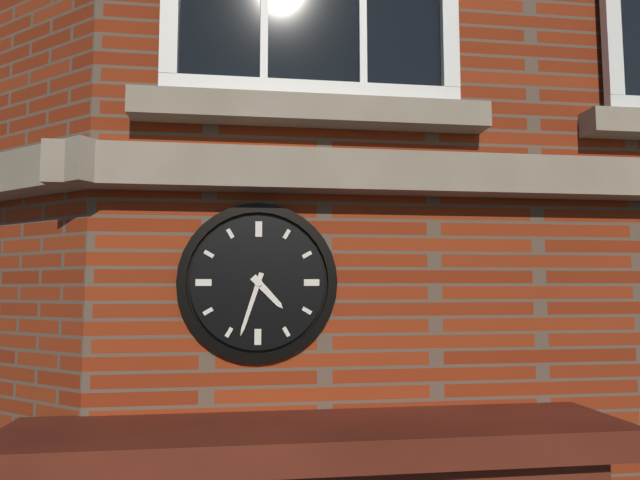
4:33
